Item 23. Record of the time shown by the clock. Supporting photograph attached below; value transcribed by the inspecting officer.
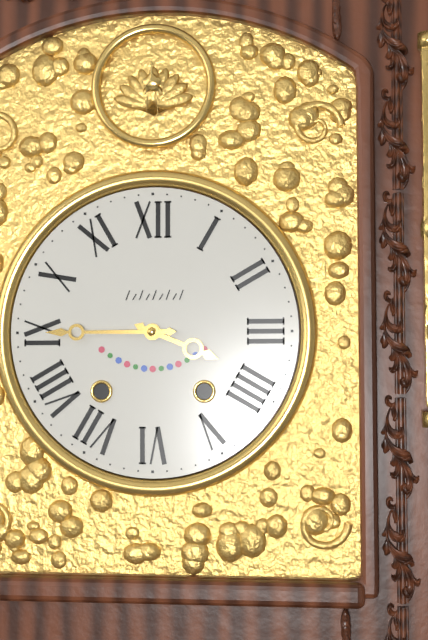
3:45
